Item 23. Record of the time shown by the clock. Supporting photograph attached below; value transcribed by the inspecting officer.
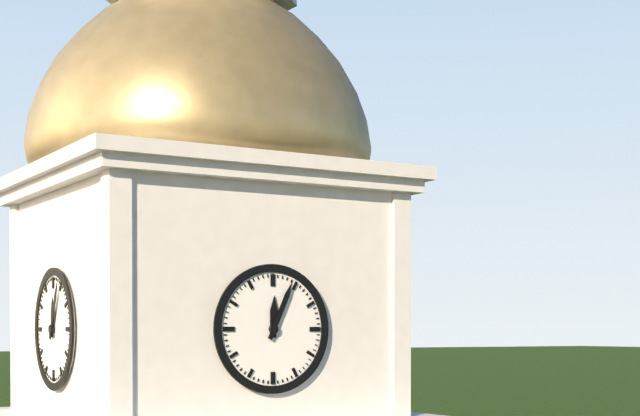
12:04
